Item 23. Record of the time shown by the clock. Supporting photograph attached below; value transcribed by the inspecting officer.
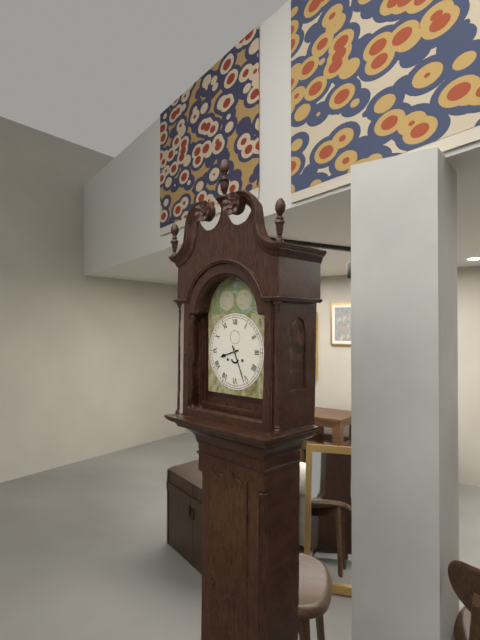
8:26
